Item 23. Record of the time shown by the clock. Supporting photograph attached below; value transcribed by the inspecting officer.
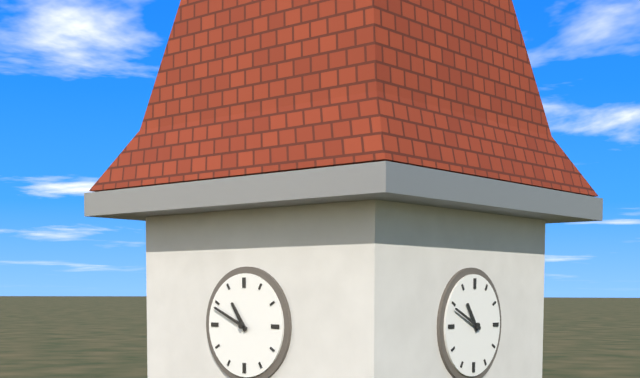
10:49
